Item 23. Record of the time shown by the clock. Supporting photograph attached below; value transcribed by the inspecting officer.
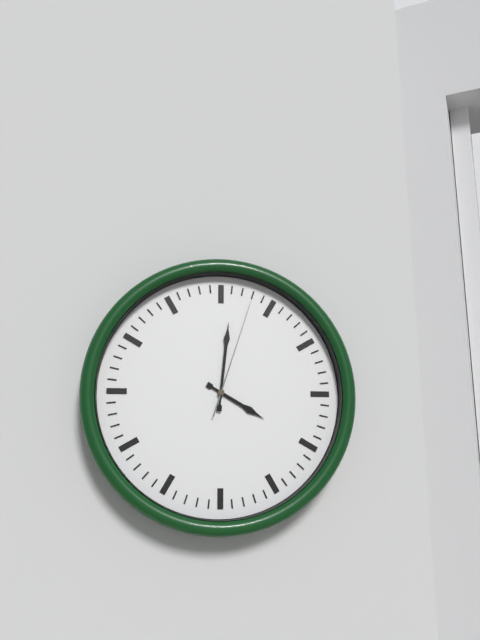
4:01:03
